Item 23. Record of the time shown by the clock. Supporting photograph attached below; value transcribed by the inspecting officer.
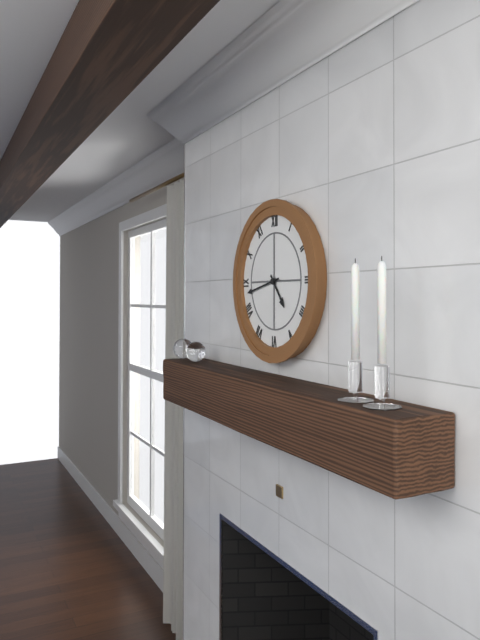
4:43
